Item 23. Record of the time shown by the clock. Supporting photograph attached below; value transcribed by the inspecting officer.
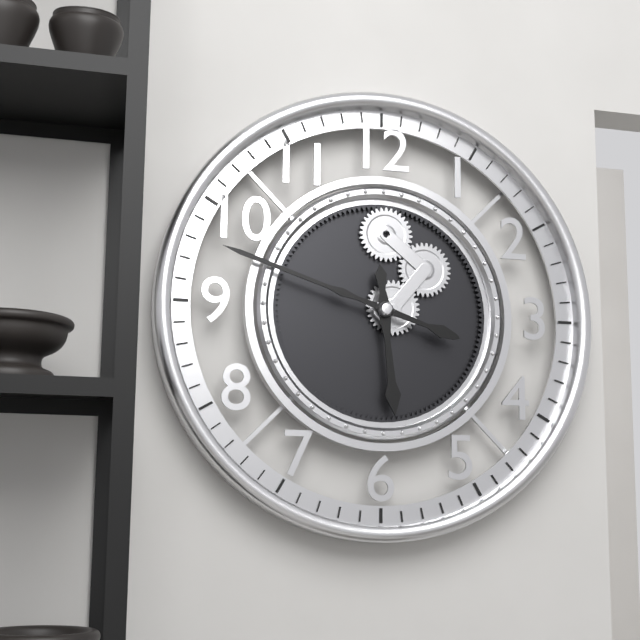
5:48
